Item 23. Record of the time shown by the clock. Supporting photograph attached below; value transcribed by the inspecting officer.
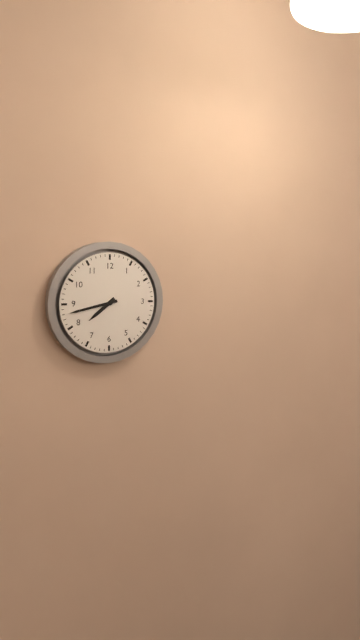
7:43
